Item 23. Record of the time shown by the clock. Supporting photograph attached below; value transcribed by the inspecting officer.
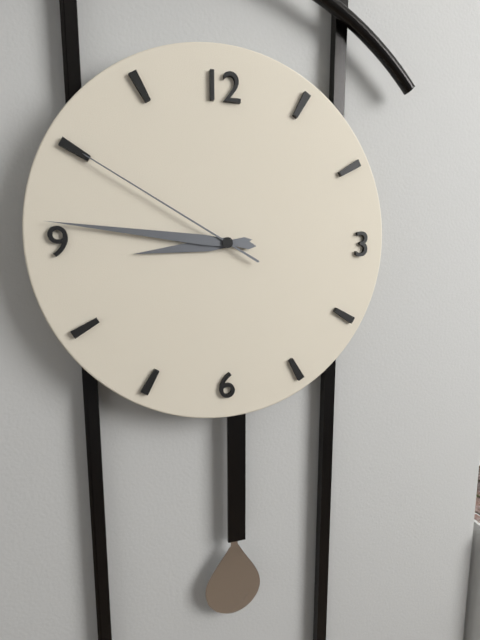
8:46:50
